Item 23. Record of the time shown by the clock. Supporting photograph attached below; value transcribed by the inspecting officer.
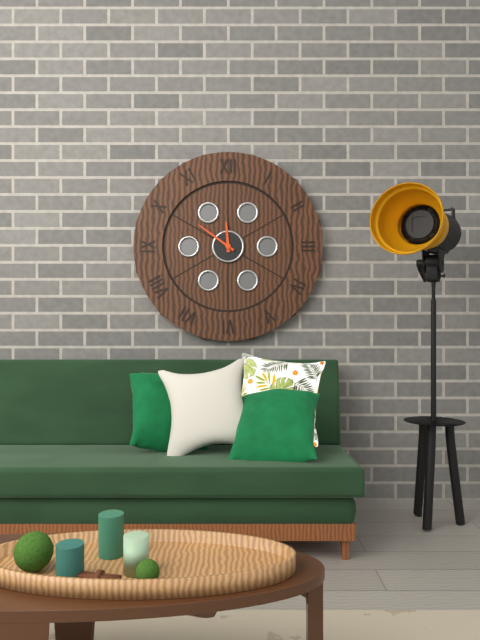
11:51
